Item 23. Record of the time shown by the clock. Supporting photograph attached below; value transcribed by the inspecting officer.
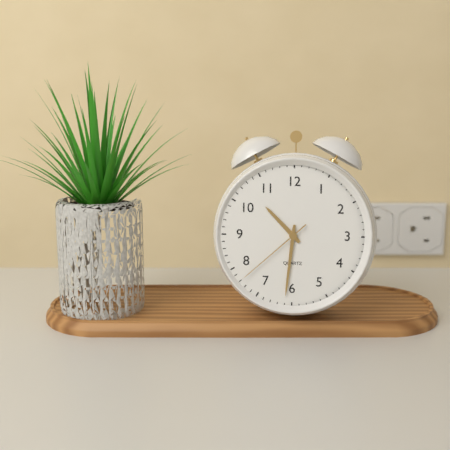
10:31:38
